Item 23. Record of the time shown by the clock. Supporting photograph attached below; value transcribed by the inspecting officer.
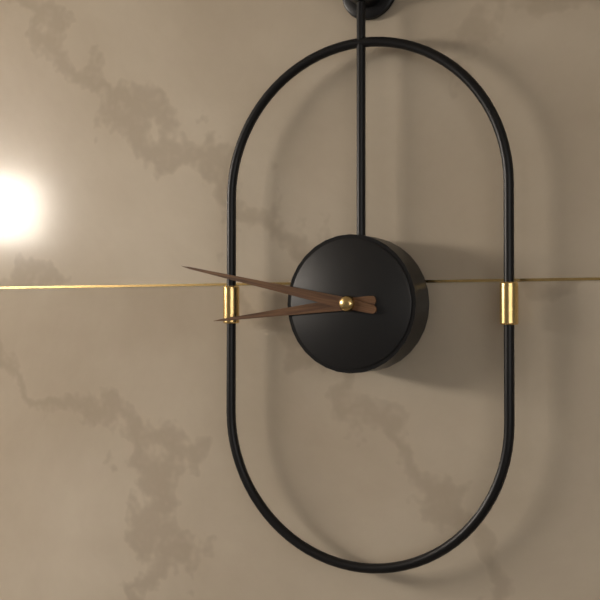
8:47
